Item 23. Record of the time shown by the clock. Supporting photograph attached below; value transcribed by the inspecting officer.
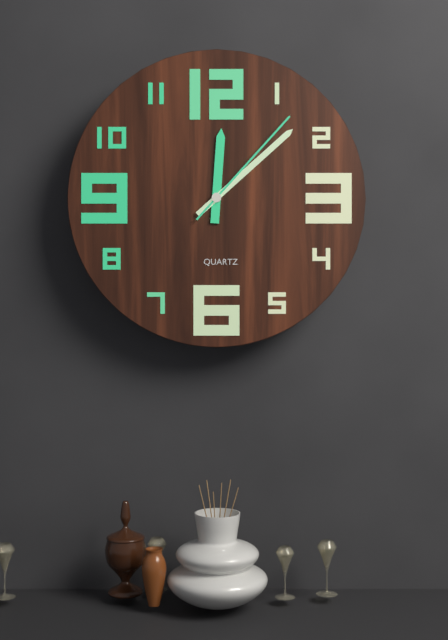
12:08:07
